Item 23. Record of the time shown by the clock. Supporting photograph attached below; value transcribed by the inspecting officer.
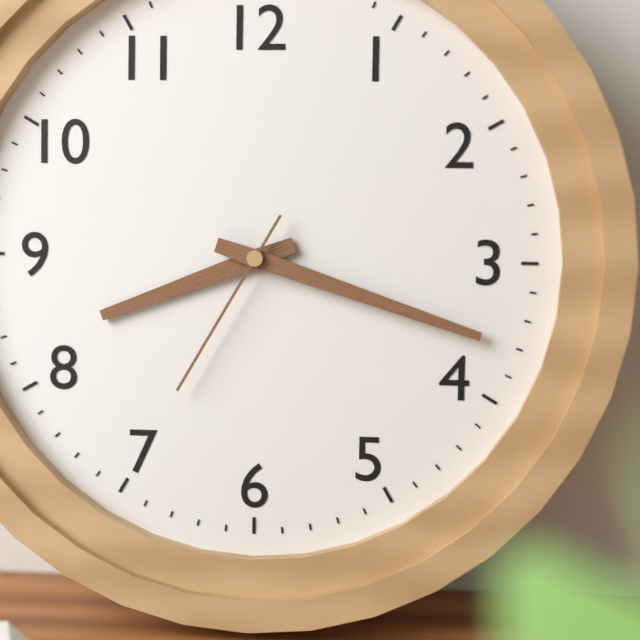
8:18:35
